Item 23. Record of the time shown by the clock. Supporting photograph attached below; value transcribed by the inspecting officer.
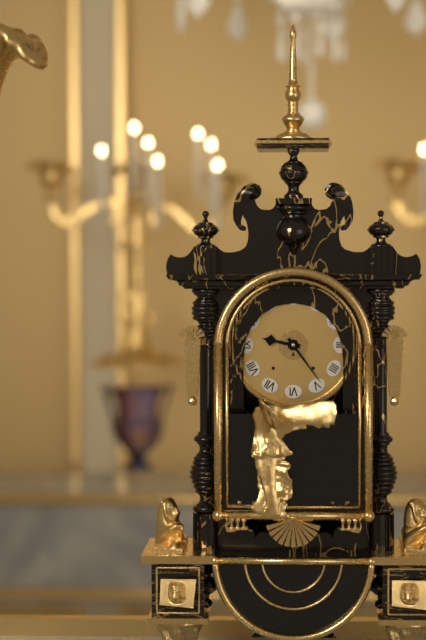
9:24
